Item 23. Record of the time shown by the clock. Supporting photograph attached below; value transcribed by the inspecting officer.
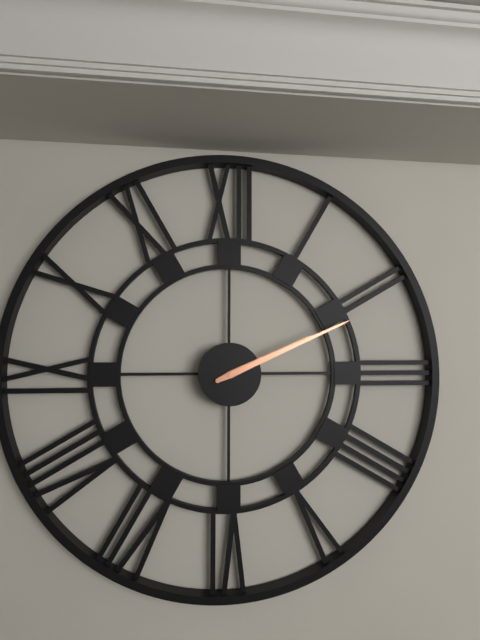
2:11
